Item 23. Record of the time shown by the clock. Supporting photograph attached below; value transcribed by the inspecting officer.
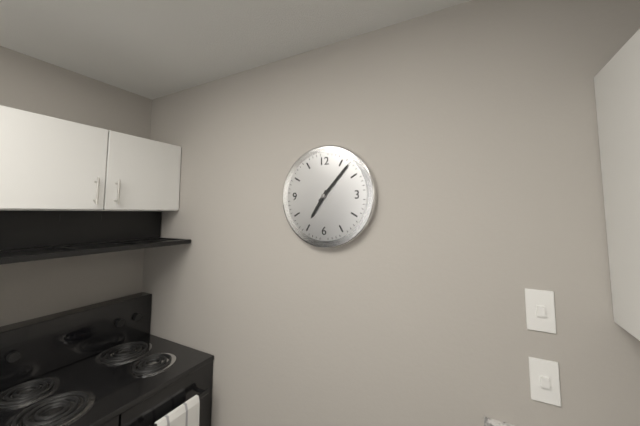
7:07
